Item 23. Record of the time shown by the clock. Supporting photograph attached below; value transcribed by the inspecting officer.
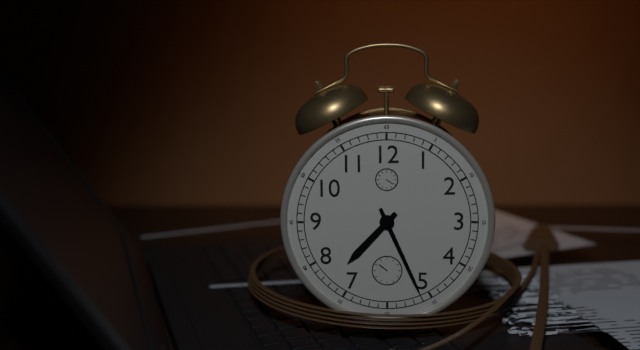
7:26
